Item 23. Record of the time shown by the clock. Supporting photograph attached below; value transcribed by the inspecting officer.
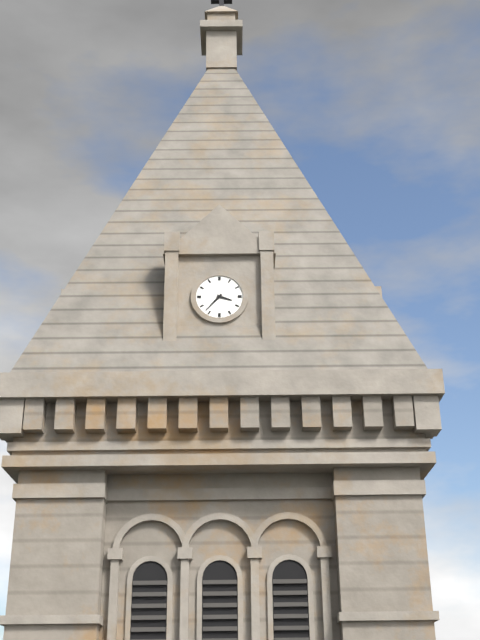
3:37
